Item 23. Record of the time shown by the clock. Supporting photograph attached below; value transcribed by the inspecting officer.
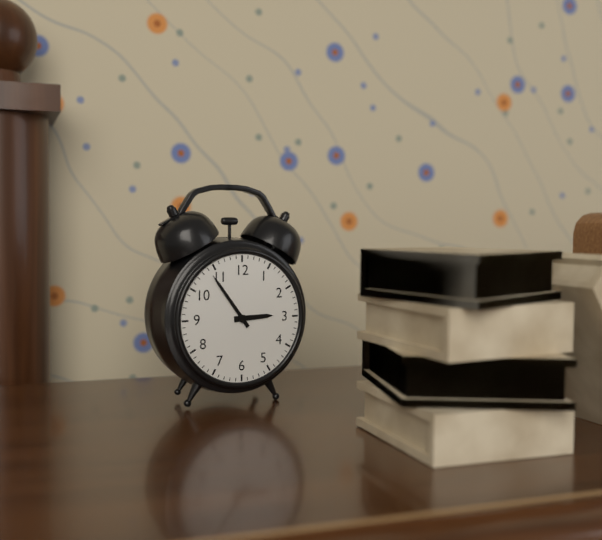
2:54
